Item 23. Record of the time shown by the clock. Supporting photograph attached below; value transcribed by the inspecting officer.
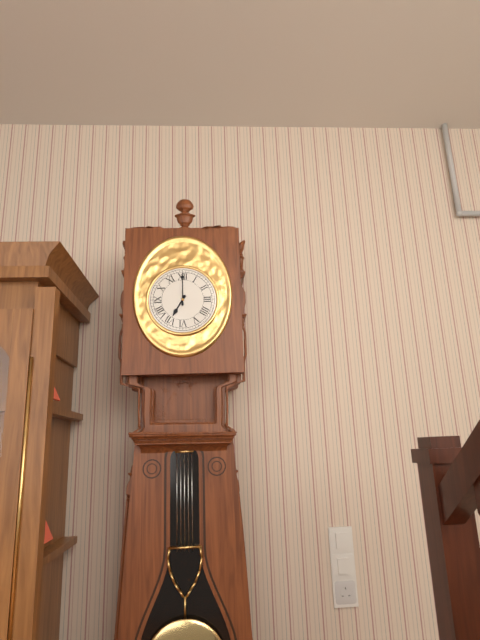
7:00
